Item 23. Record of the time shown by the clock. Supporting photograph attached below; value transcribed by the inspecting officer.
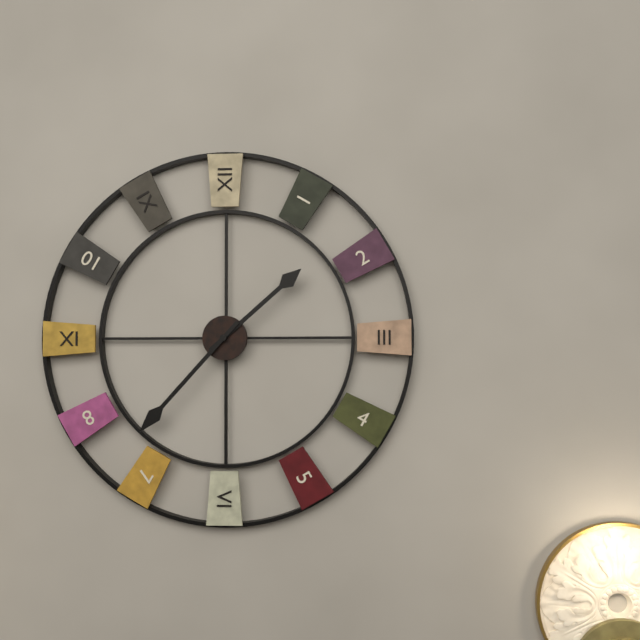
1:37
